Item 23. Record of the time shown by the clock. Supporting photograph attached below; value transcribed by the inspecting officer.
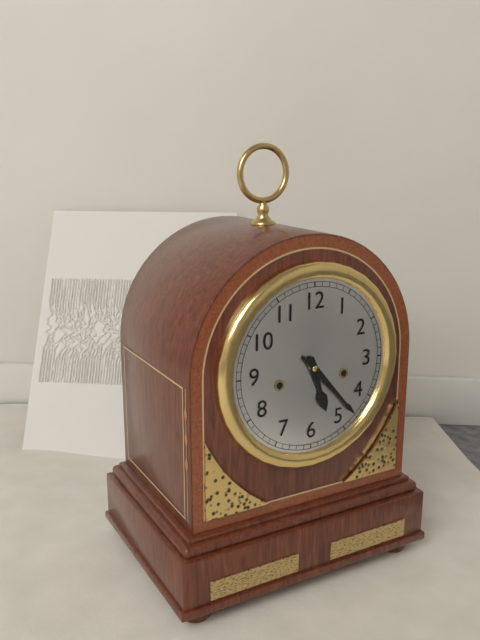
5:23
